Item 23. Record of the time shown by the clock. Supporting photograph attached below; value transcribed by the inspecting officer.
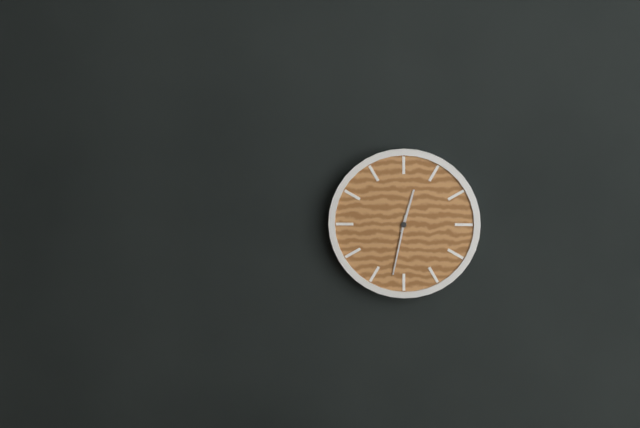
12:32
